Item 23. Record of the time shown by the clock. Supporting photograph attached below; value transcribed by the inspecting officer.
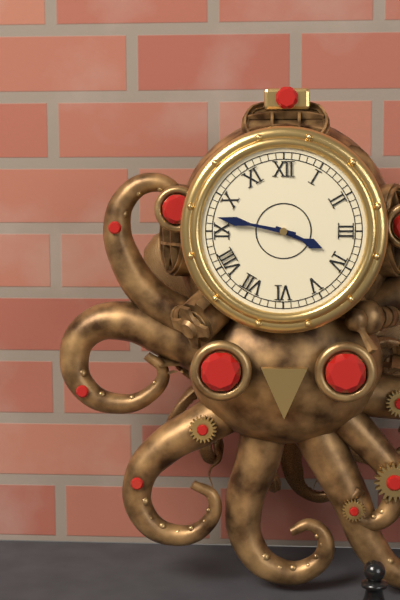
3:47
